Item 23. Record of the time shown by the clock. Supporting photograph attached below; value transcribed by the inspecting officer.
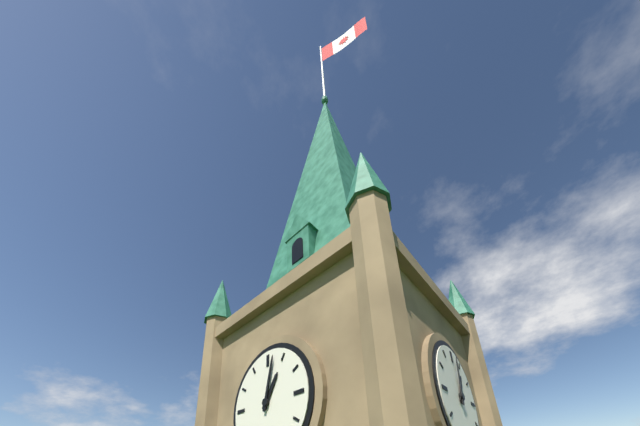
1:02
